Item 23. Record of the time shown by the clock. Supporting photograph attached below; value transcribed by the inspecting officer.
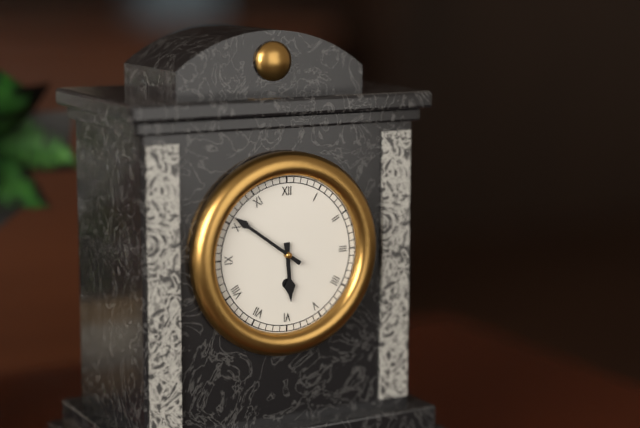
5:51
